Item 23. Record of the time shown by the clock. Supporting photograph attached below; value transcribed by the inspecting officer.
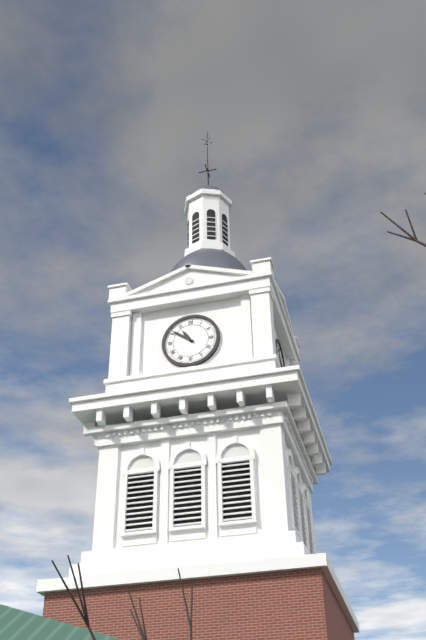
10:51
